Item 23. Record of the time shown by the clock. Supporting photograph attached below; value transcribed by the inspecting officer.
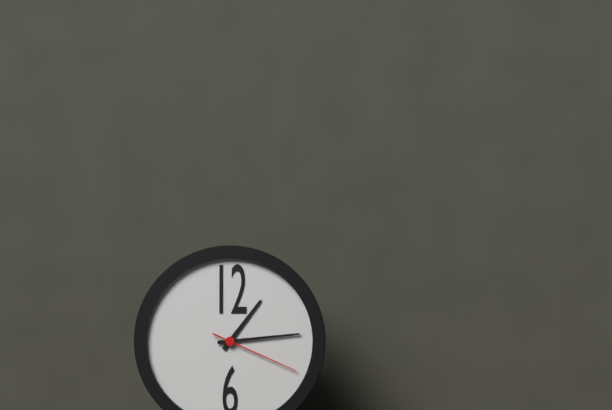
1:14:19
